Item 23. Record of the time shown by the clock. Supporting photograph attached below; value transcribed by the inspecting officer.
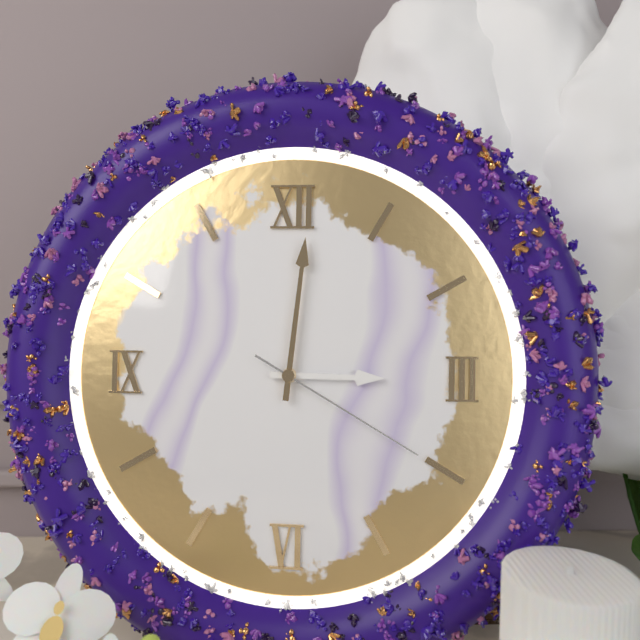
3:01:20
